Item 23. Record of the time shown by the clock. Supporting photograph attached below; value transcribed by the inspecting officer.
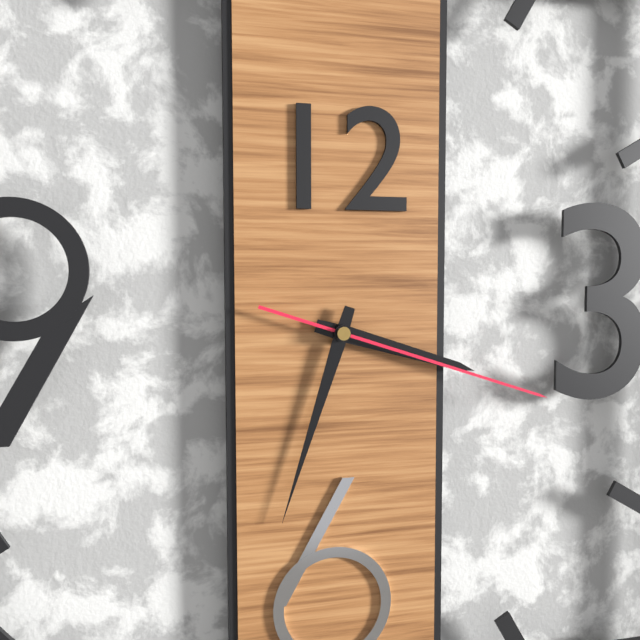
3:33:18
